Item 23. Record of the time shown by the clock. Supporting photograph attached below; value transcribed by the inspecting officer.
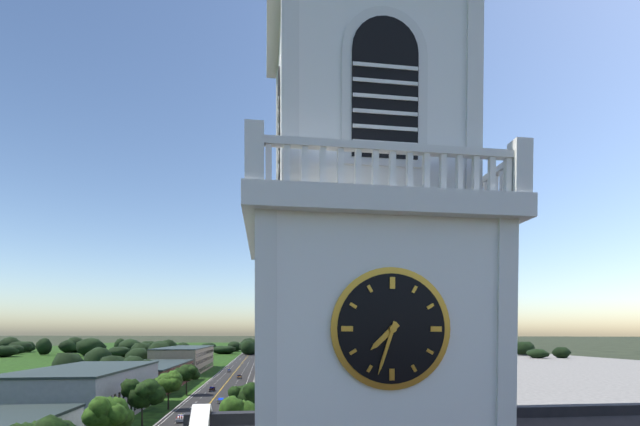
7:33
